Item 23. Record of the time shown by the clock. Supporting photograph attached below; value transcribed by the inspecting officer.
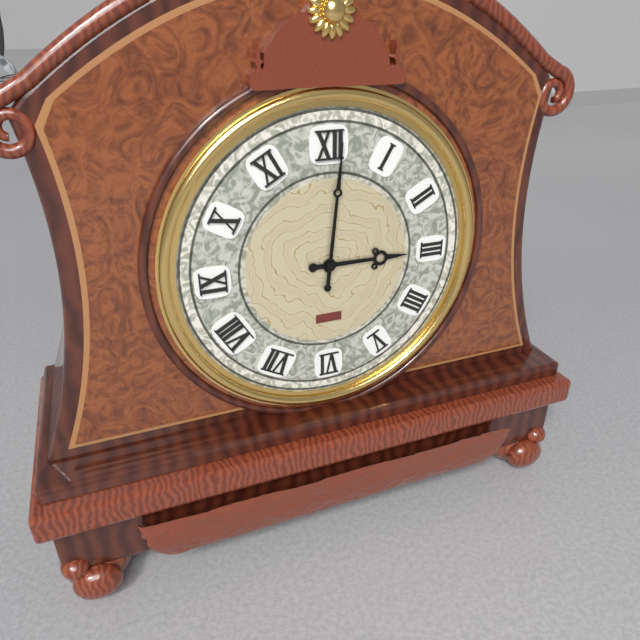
3:01
